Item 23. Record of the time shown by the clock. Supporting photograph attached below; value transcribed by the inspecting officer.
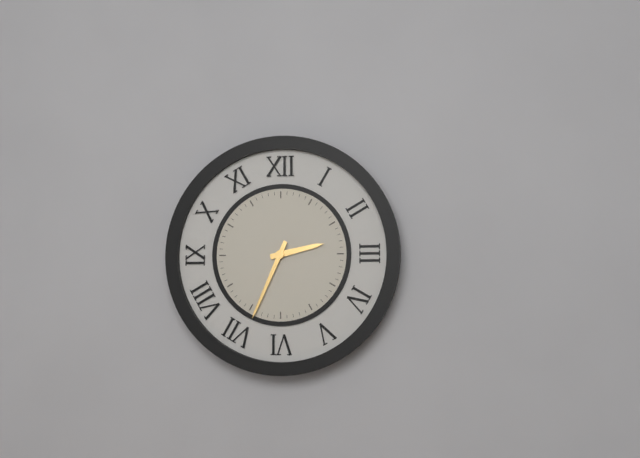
2:34
